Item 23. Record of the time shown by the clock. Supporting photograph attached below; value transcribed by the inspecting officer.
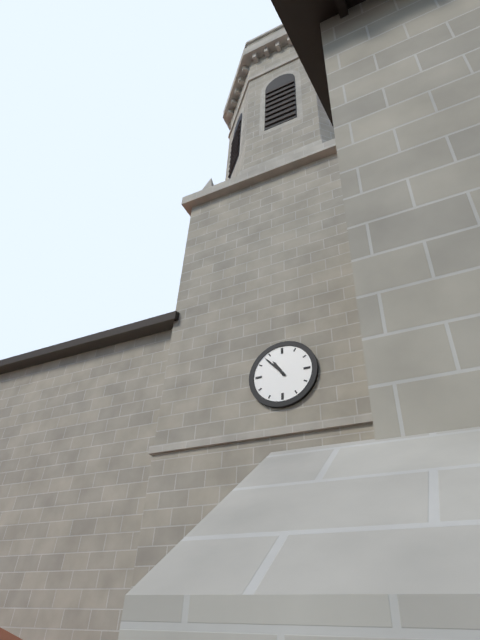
10:53
